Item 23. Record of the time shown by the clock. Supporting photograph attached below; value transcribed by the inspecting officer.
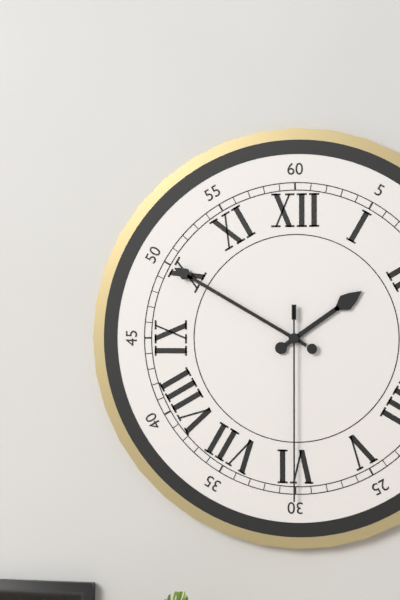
1:50:30
